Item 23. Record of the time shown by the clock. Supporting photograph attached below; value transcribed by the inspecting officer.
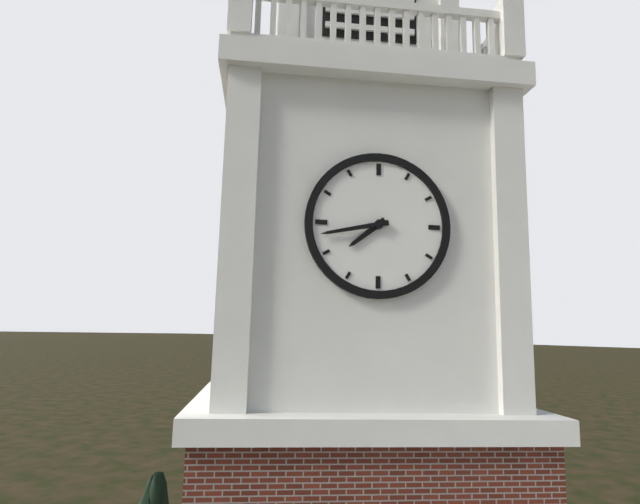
7:43
